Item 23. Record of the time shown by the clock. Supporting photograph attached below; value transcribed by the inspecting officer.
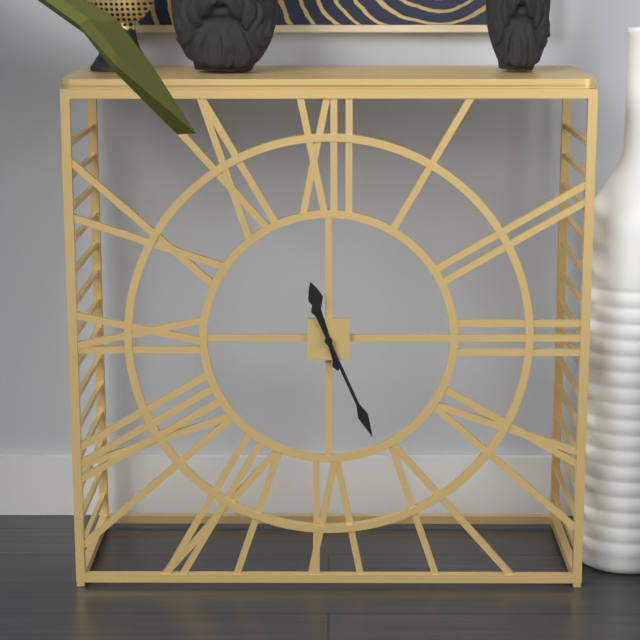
11:26
